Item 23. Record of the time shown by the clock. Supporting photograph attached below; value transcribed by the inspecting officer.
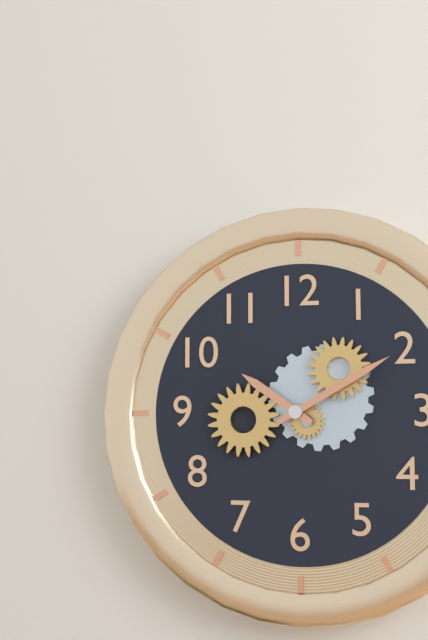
10:10
